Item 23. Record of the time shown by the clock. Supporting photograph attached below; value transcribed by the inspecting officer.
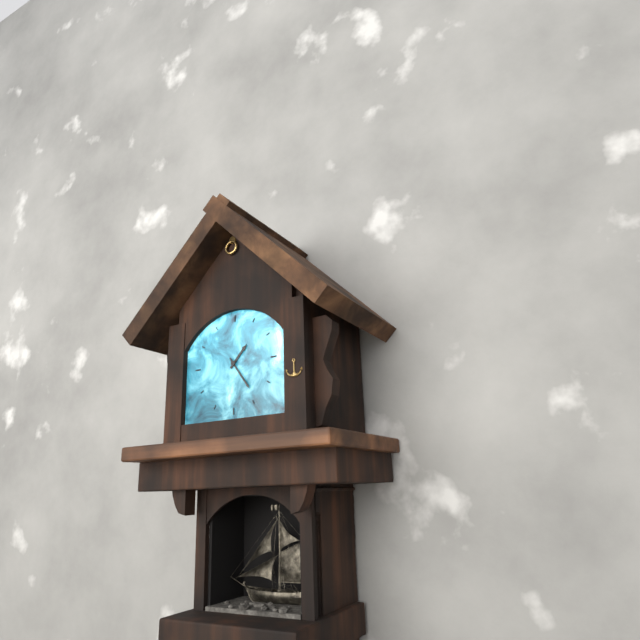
1:24
